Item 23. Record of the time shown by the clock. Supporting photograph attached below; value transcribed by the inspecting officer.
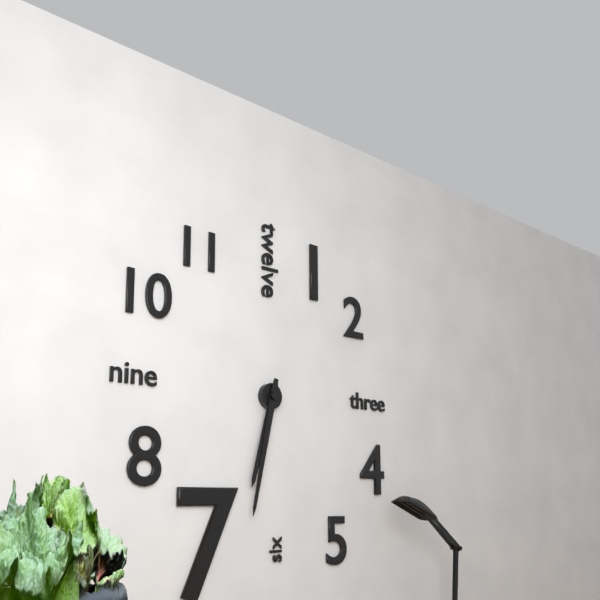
6:32
